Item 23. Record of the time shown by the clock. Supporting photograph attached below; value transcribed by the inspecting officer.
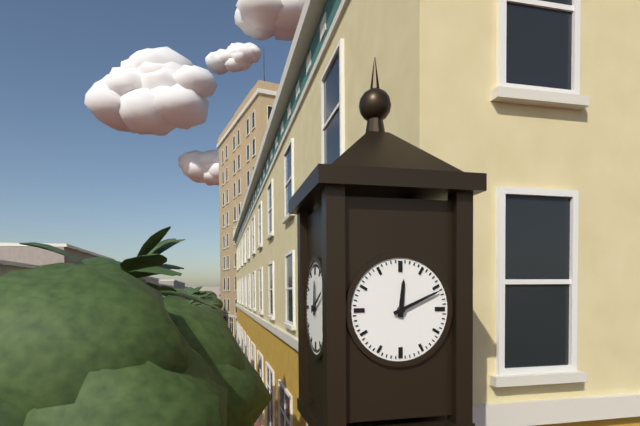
12:11
